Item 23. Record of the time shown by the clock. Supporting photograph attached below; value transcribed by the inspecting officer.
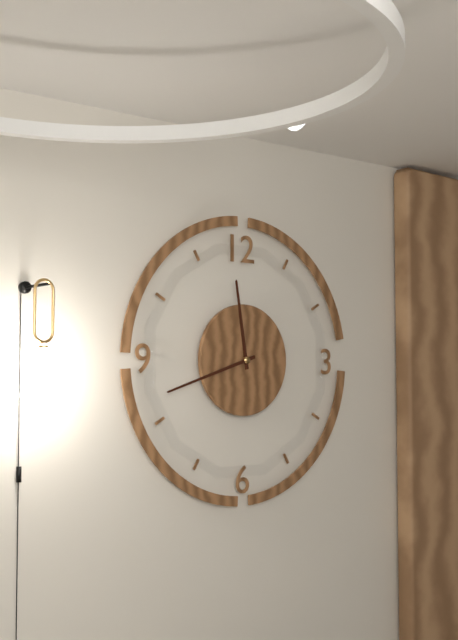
11:42
